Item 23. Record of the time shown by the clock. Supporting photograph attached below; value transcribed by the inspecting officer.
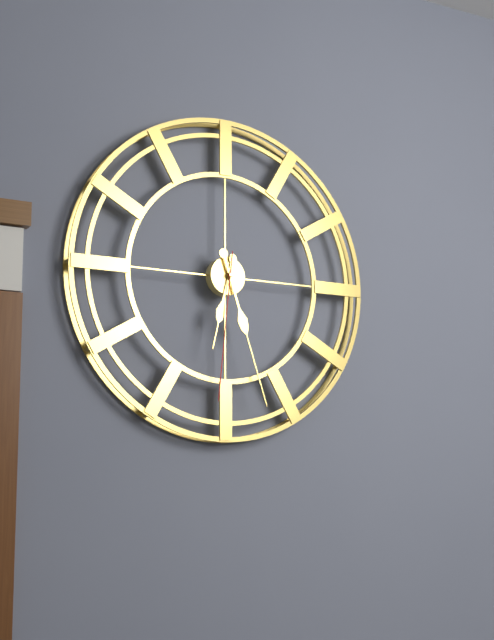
6:27:31
